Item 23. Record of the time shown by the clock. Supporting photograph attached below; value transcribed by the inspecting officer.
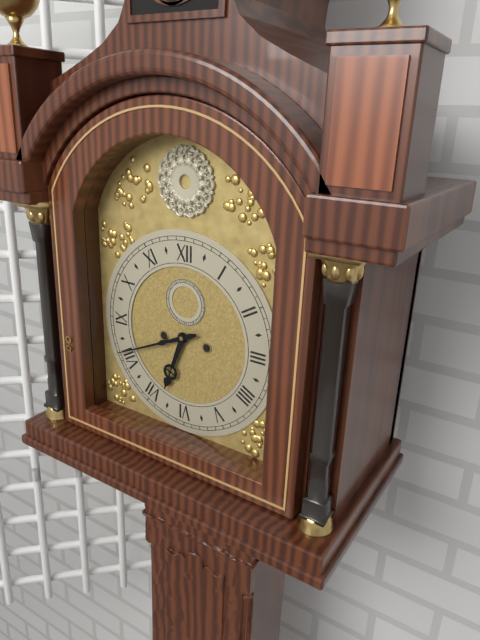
6:41
